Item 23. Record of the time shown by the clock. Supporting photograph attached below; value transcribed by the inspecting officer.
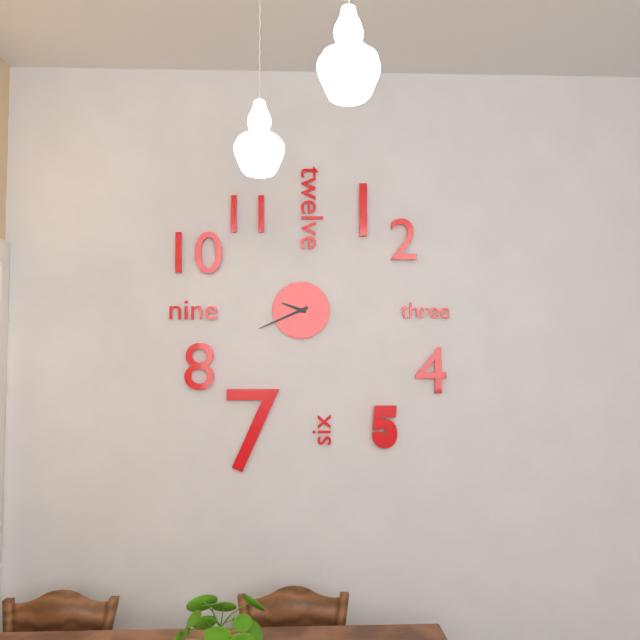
9:41
